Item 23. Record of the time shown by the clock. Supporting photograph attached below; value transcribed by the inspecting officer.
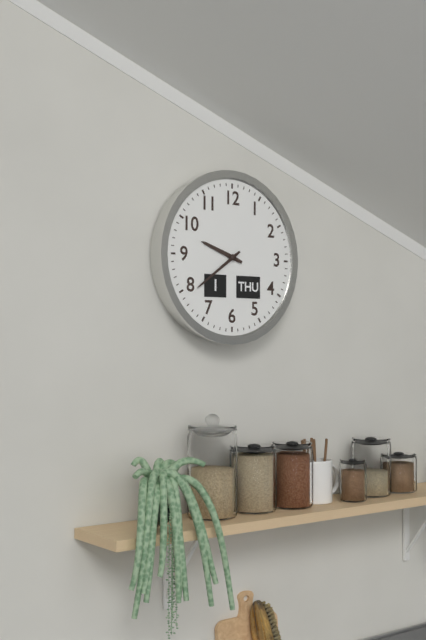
9:39
